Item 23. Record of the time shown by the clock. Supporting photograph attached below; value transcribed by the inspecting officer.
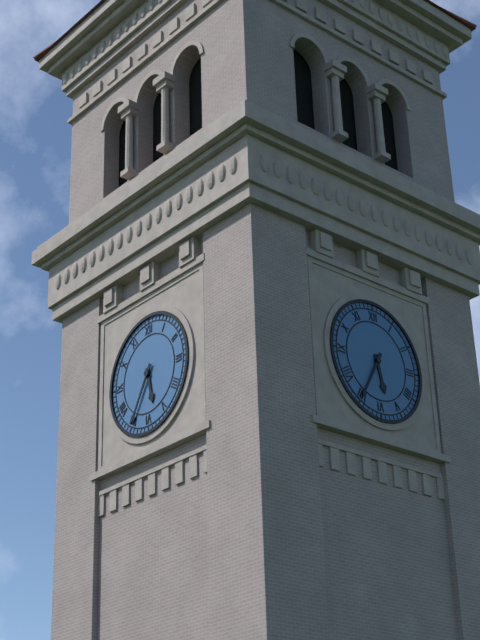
5:35
